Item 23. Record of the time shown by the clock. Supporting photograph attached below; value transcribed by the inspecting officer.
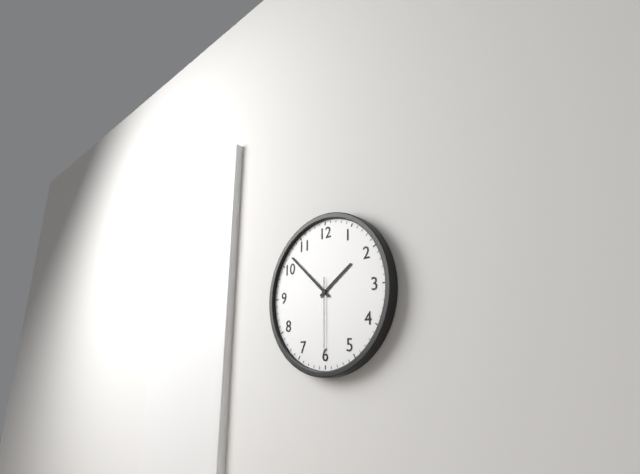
1:52:30
